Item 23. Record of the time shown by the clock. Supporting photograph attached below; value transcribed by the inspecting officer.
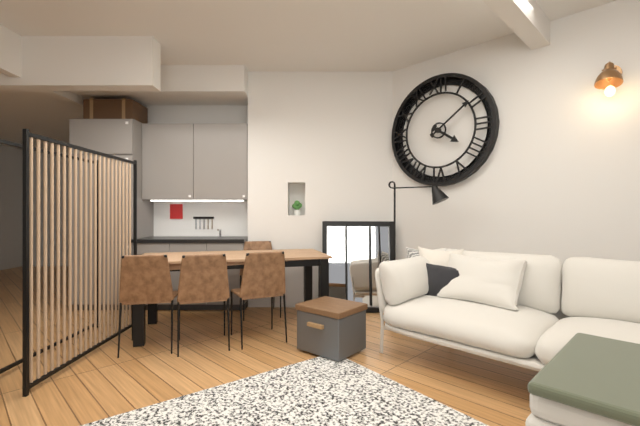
4:09
